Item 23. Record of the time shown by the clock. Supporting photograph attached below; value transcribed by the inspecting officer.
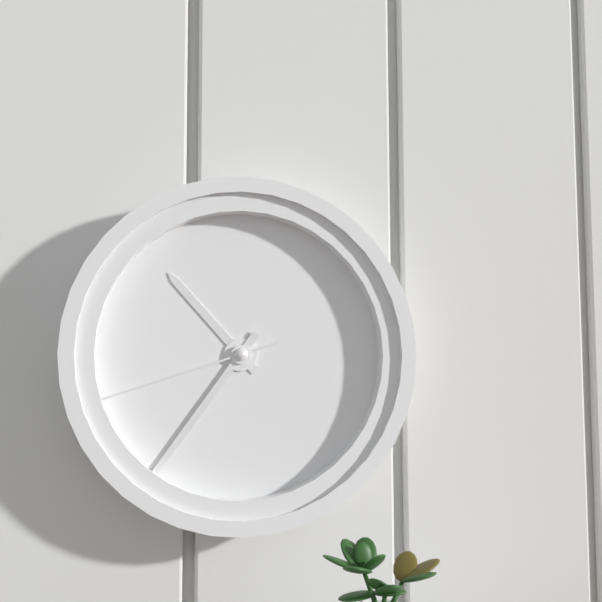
10:36:42
